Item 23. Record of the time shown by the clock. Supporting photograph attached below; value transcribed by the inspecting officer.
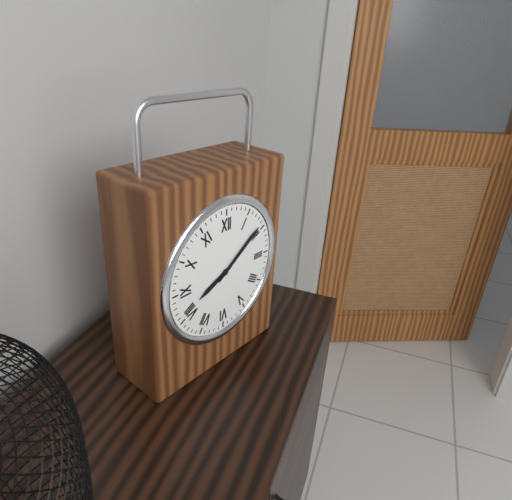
8:09
